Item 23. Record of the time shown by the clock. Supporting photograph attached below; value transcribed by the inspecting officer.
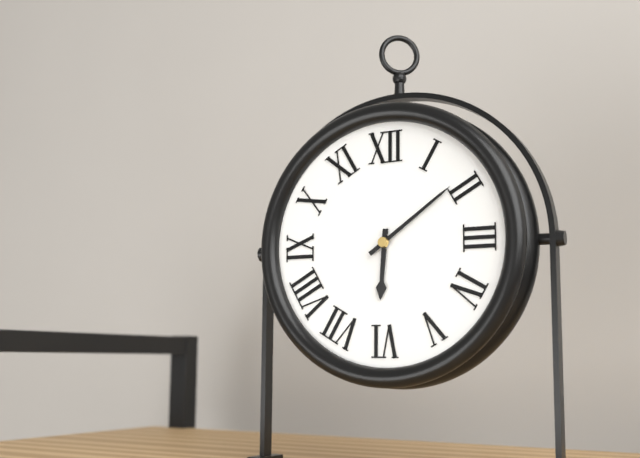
6:09
